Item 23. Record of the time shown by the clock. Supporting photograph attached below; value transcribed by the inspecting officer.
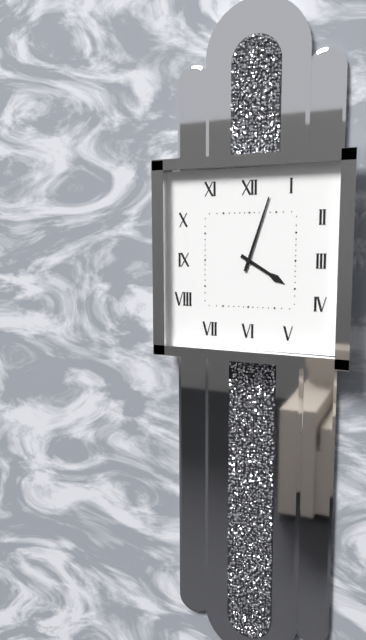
4:03
